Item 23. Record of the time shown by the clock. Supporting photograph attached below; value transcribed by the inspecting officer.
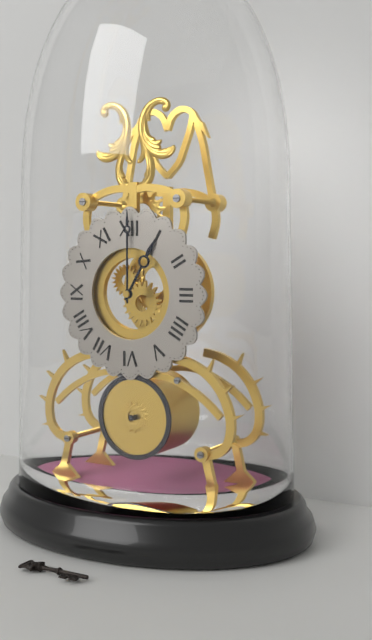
1:00
